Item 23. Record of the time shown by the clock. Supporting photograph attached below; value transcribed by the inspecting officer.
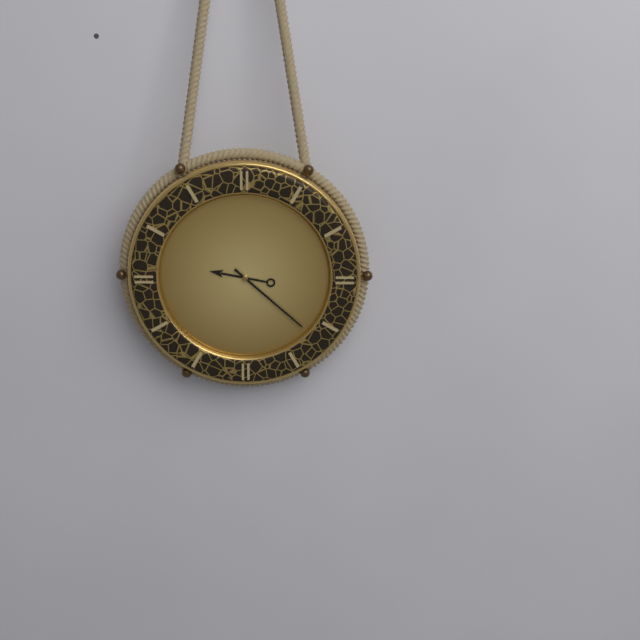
9:22
